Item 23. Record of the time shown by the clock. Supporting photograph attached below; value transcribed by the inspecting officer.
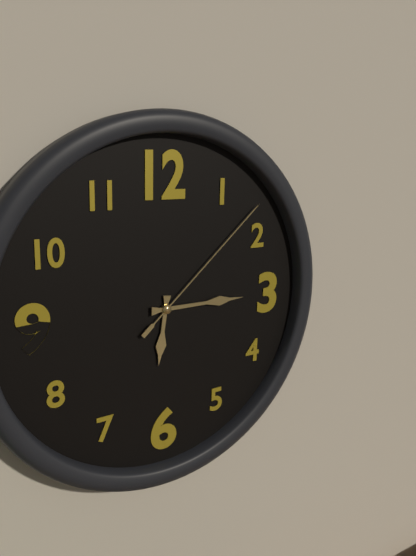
6:15:08
